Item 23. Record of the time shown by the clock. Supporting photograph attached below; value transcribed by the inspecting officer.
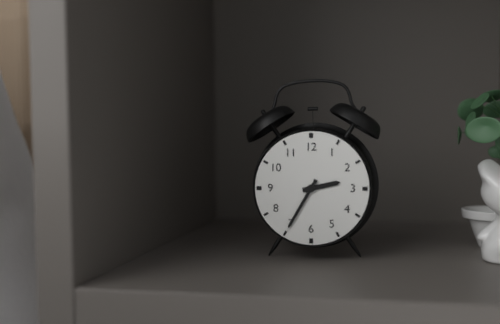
2:35
